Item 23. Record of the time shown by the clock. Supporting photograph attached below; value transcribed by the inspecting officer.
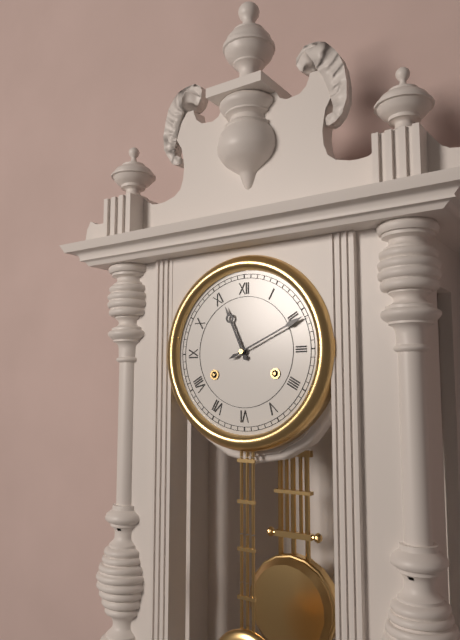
11:11
